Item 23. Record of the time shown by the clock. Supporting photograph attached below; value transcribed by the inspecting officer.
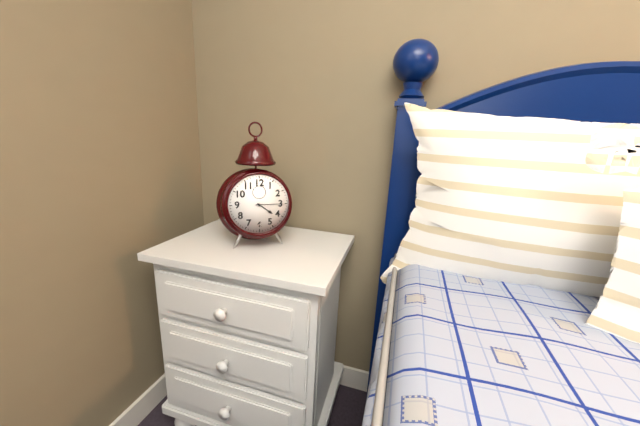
4:15
